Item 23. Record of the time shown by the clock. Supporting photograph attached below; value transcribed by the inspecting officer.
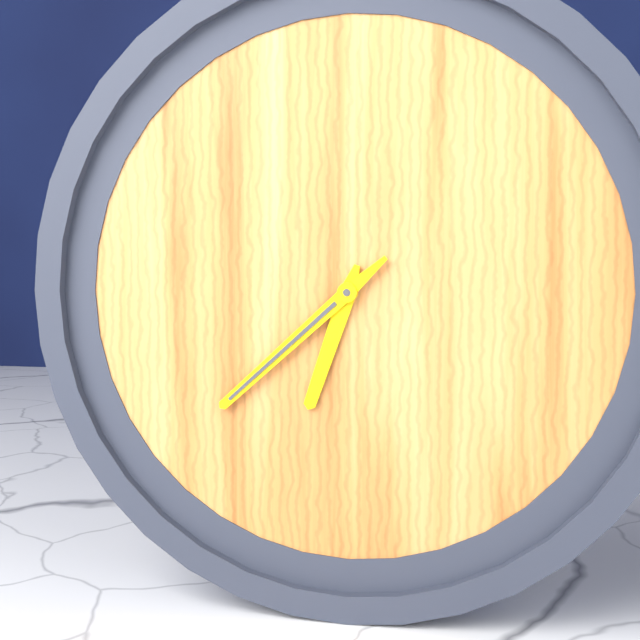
6:38
